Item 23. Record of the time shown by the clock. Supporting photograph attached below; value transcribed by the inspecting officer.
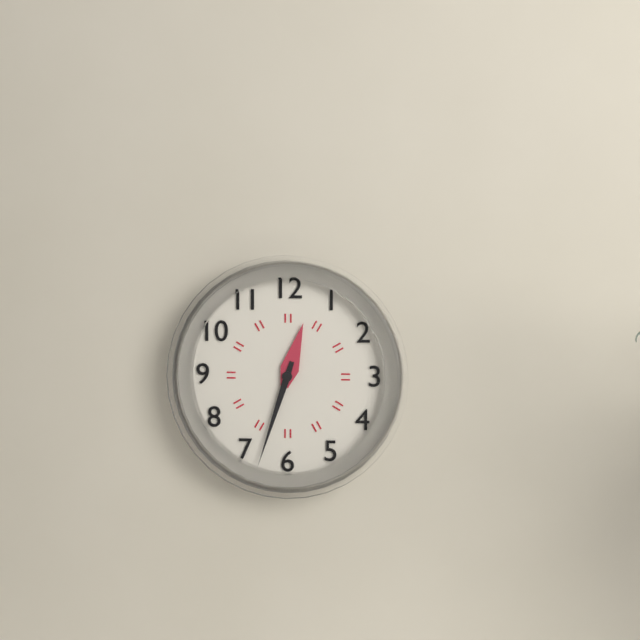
12:33
